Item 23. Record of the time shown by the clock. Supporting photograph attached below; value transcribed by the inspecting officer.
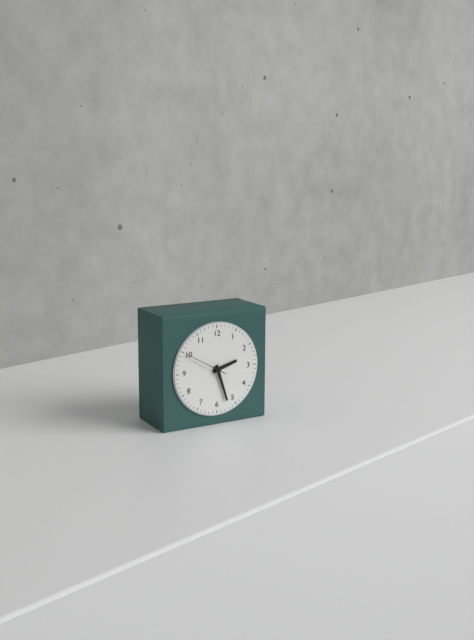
2:27
